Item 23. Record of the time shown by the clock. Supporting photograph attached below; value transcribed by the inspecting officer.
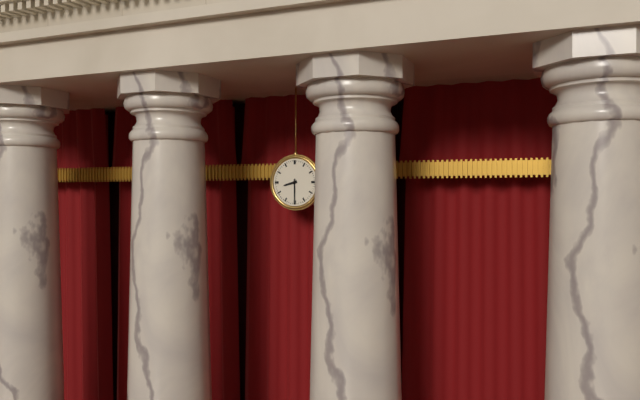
8:30
